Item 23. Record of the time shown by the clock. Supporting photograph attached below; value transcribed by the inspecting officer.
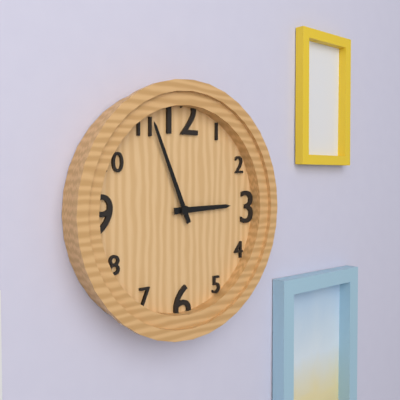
2:56
